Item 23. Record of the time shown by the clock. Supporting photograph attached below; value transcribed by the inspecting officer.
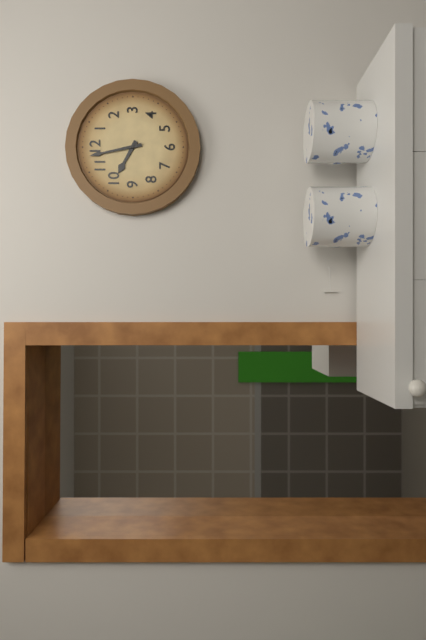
9:58
